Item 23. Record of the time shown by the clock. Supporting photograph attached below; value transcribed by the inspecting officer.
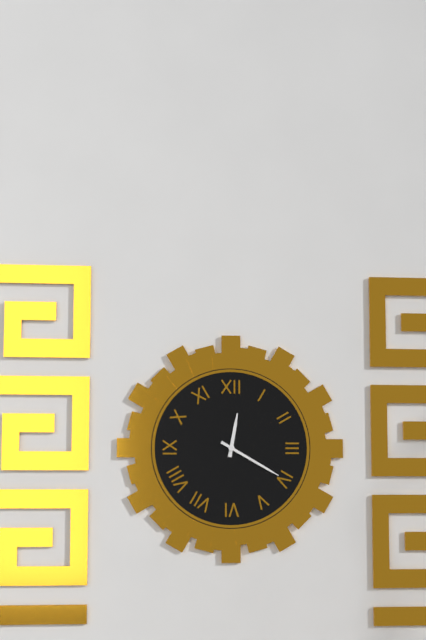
12:20
